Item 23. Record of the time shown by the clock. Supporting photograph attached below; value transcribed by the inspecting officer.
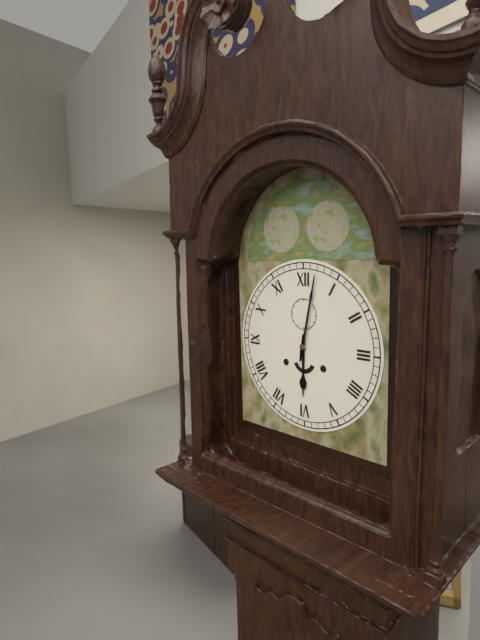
6:02
